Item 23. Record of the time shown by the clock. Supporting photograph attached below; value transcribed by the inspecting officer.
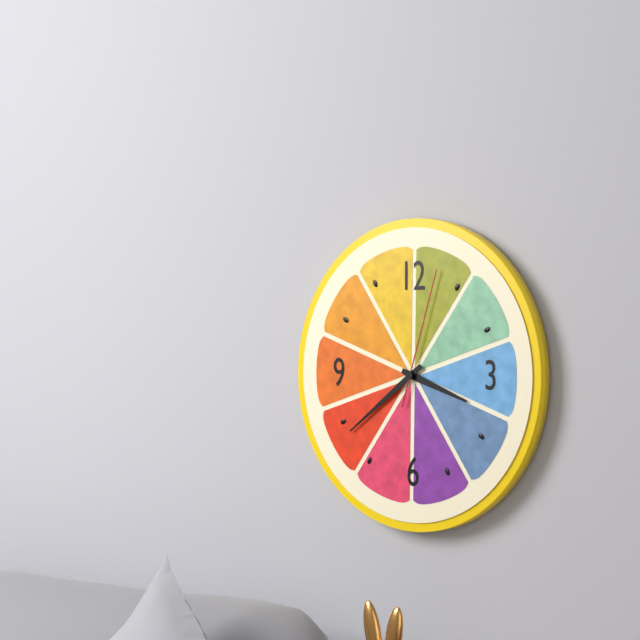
3:39:03
